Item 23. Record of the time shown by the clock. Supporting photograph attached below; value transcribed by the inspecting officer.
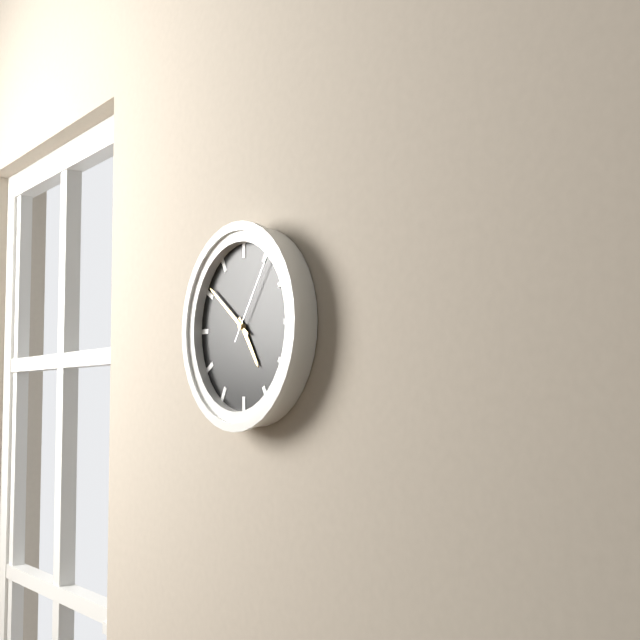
4:51:06
